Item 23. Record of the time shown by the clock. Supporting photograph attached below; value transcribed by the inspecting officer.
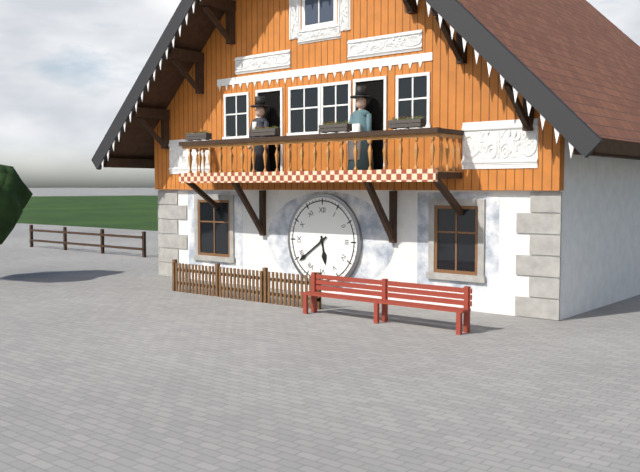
5:39
